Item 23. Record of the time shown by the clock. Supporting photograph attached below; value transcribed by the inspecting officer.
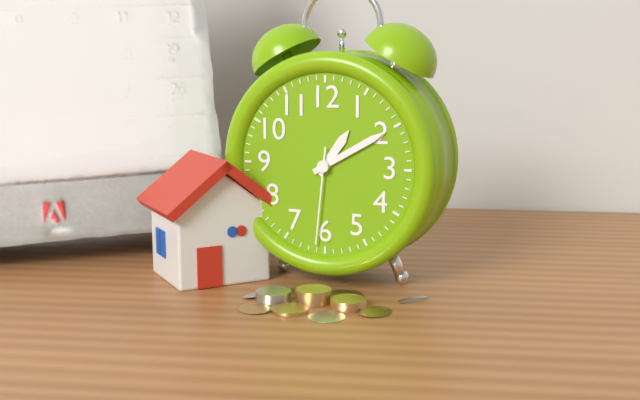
1:10:31
